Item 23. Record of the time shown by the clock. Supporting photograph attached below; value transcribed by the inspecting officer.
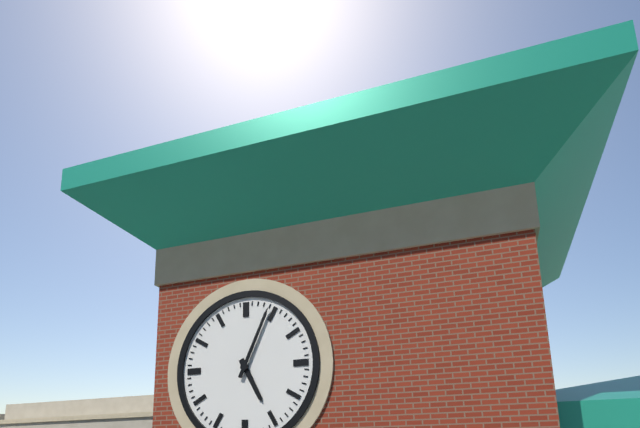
5:04
